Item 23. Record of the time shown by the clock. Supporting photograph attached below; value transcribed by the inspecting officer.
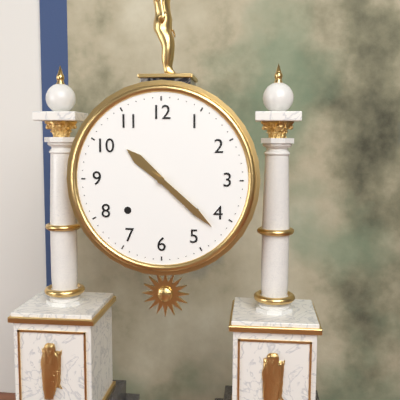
10:22
